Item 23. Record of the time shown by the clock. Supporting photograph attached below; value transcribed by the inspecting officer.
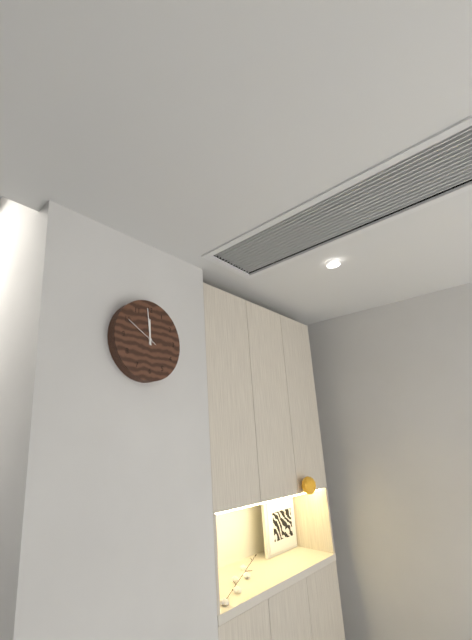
11:59
